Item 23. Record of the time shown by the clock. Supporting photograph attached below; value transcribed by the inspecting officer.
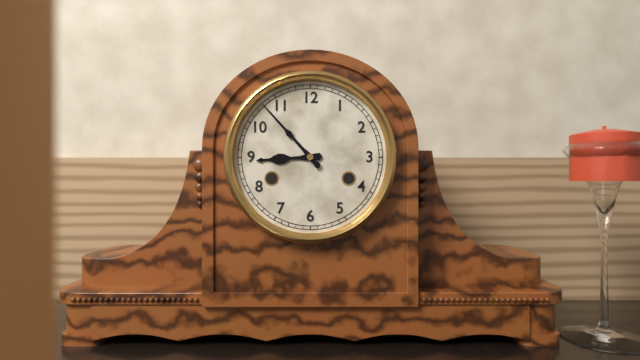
8:53
